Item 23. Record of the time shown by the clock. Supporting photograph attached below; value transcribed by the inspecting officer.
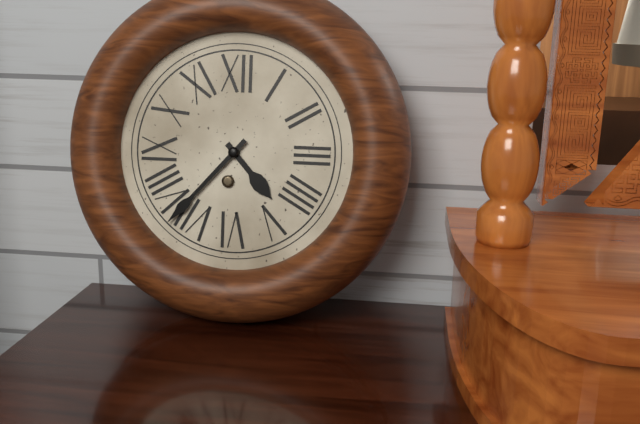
4:37
